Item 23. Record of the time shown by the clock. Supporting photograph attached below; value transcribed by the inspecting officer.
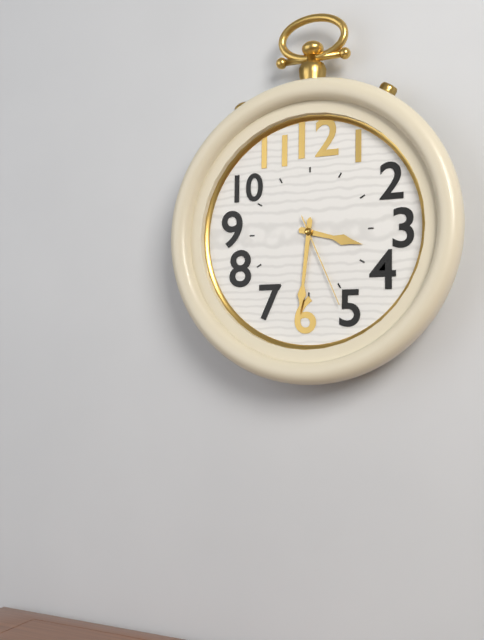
3:31:26
